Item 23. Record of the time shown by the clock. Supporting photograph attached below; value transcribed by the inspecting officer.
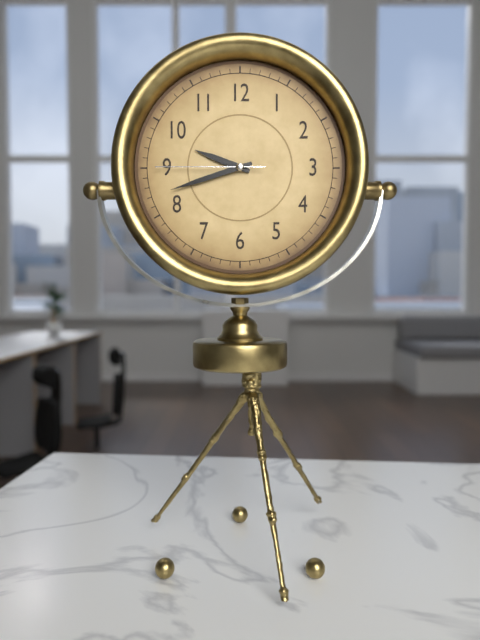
9:42:45
